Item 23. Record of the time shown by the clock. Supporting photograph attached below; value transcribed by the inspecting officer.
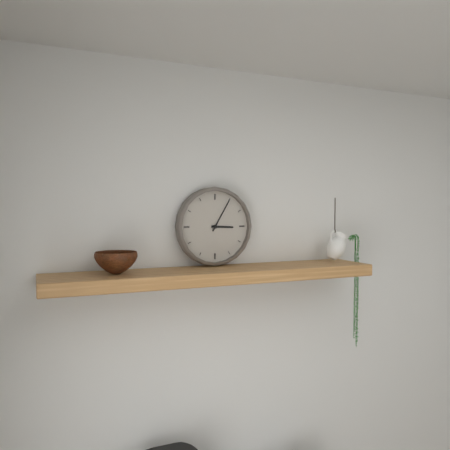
3:05
